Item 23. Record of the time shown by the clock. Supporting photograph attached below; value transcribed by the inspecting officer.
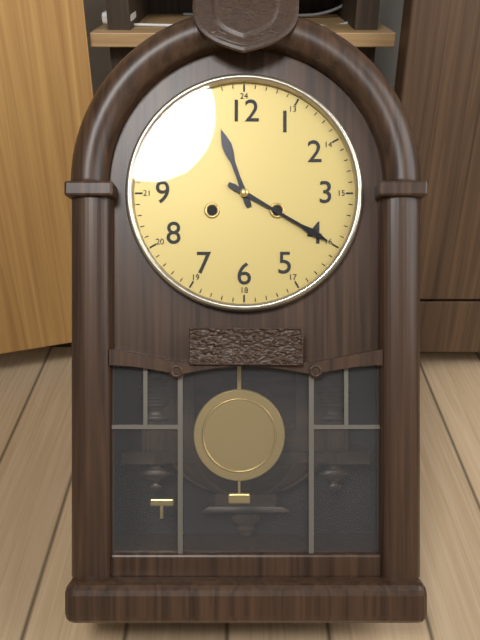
11:20
